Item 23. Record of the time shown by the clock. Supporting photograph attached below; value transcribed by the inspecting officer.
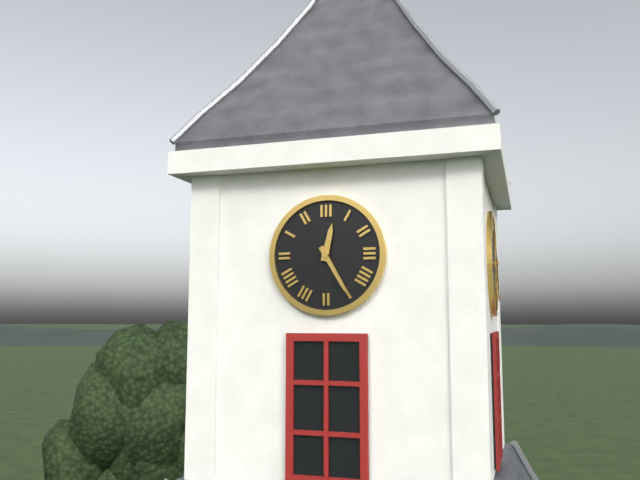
12:25
